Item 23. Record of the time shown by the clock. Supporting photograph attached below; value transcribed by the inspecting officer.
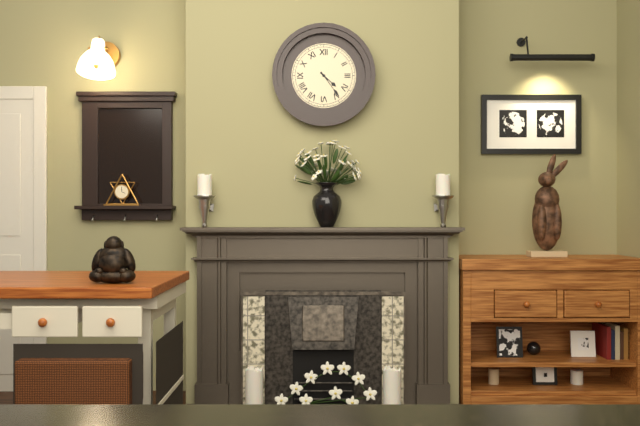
4:24
